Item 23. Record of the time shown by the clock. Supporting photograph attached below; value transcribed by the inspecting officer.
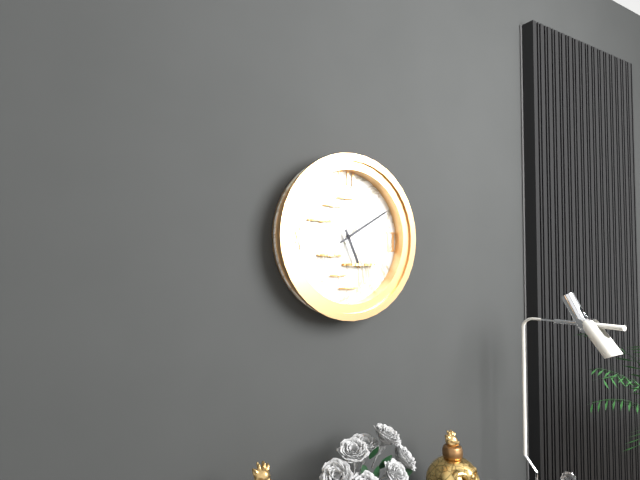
5:10
